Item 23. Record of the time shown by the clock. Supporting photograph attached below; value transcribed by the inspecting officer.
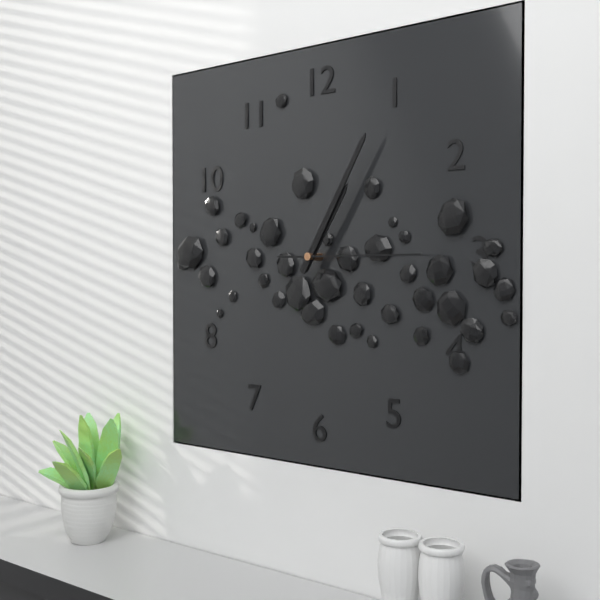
1:05:15
